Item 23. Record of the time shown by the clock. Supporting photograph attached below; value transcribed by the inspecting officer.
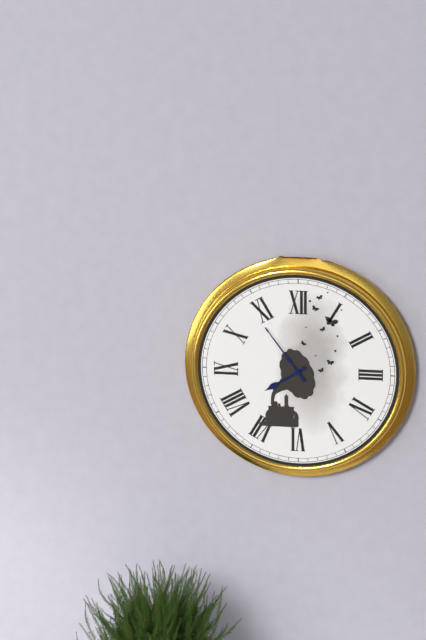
7:54
